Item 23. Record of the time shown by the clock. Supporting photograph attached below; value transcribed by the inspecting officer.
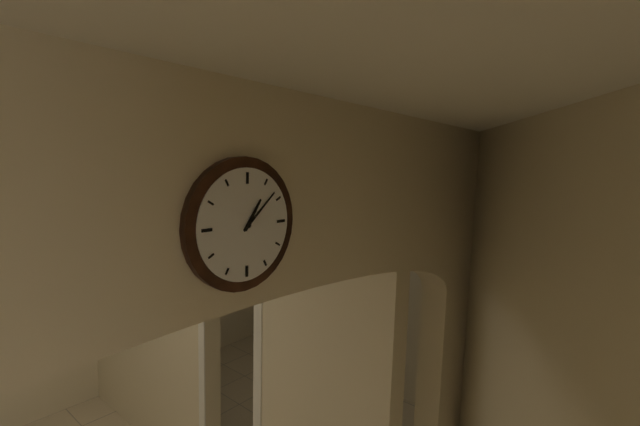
1:08
